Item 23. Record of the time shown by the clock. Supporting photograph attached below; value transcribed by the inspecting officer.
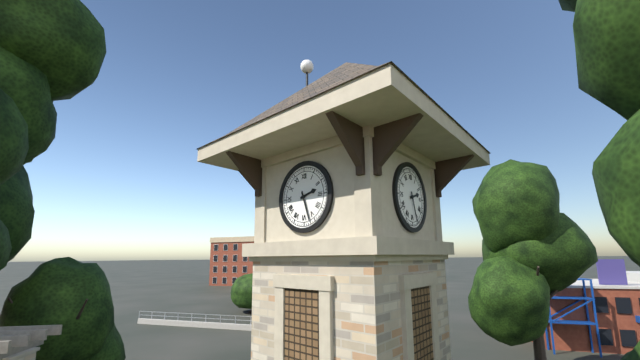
2:27
